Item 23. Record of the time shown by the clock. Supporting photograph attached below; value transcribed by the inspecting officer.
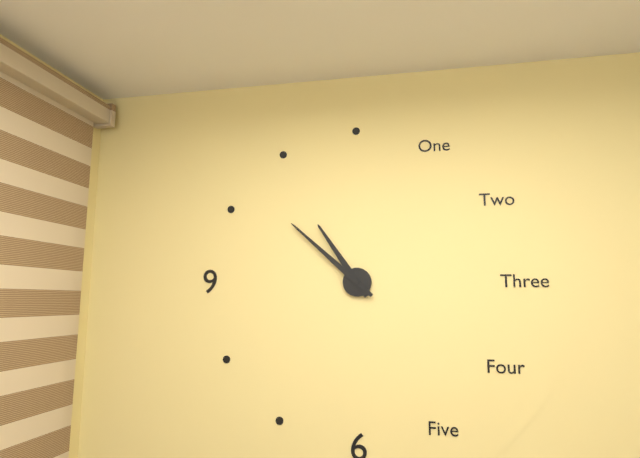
10:52
